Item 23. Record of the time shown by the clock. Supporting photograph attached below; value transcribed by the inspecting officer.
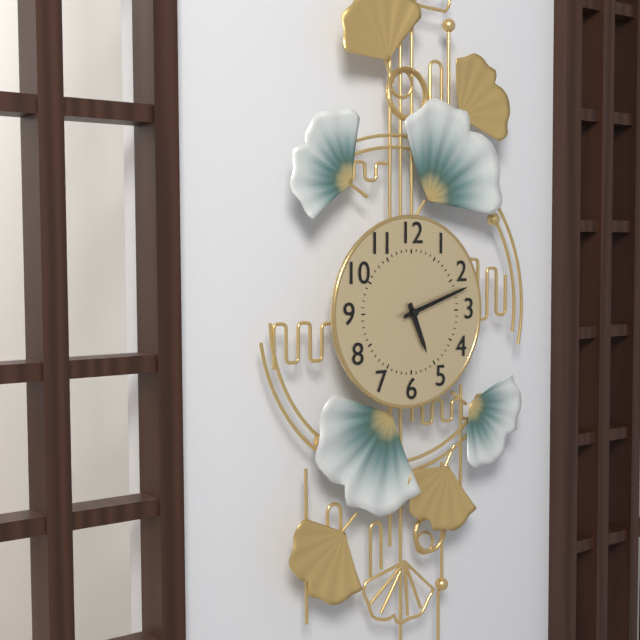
5:12:12
